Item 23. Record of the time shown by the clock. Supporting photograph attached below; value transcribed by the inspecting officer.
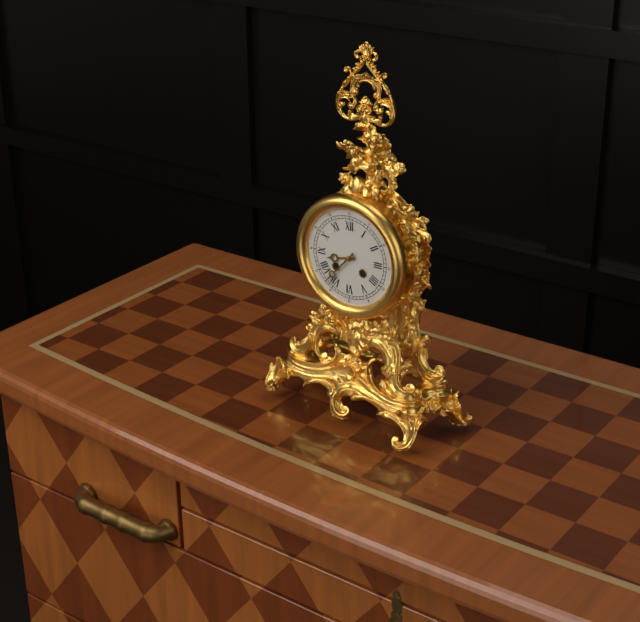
8:37
